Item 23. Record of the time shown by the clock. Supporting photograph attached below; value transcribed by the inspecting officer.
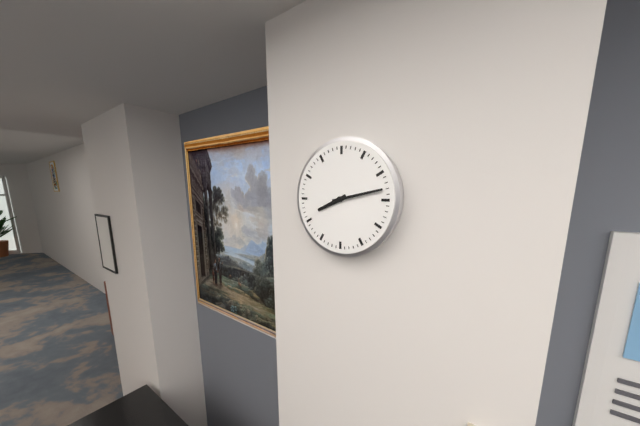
8:13
